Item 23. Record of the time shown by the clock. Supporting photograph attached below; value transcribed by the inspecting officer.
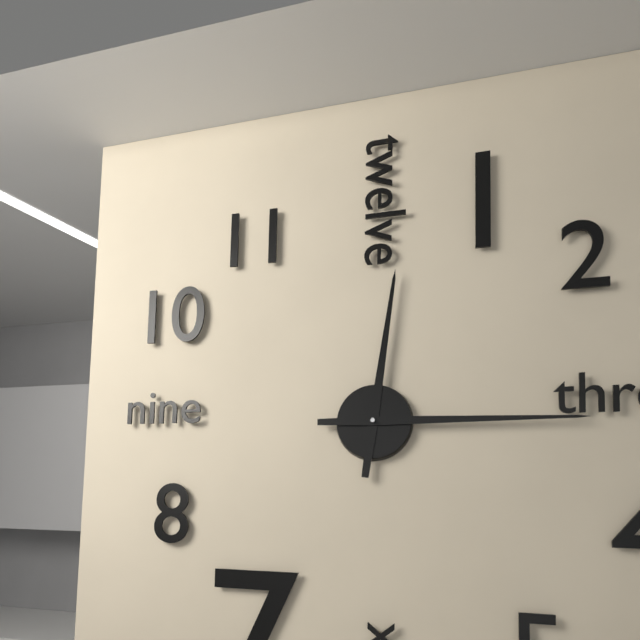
12:15
